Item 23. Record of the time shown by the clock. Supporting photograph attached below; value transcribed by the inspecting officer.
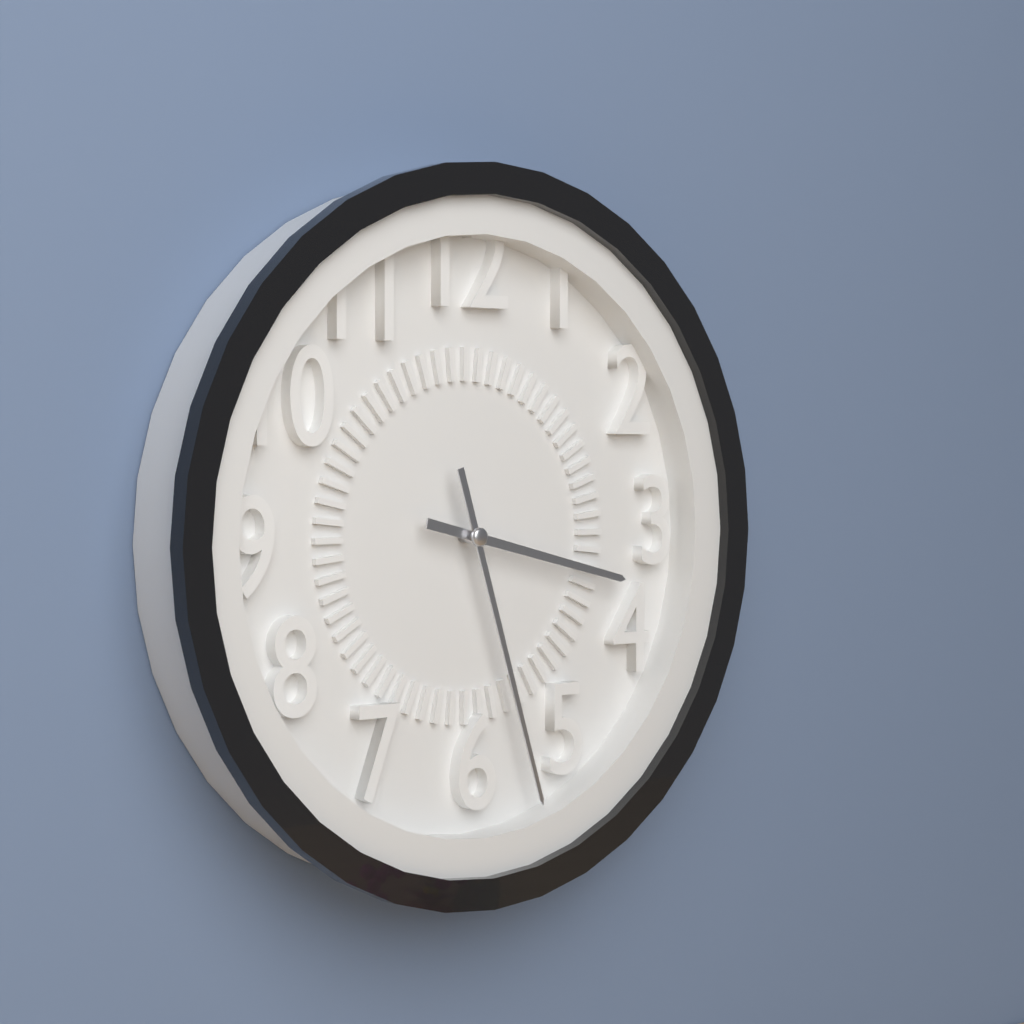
3:27
